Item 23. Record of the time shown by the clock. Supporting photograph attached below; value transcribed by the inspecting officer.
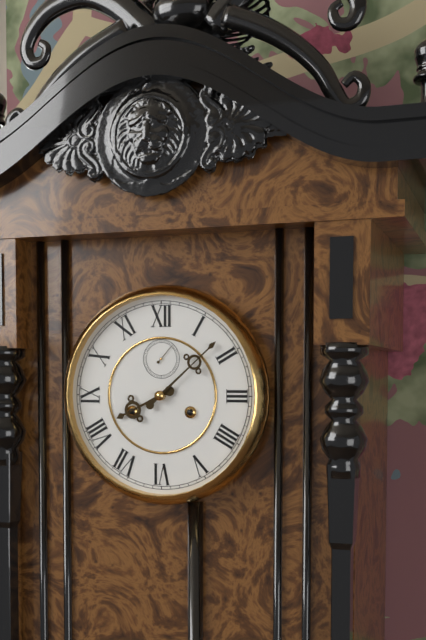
8:08
